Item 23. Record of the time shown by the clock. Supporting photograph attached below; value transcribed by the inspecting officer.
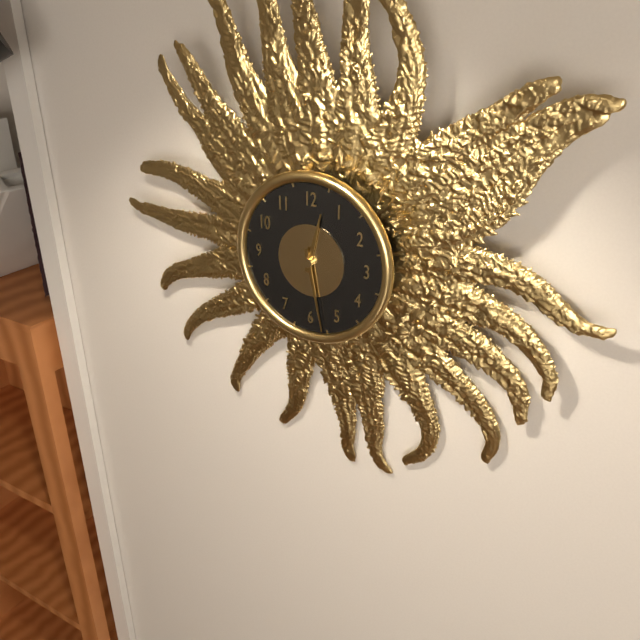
12:28
